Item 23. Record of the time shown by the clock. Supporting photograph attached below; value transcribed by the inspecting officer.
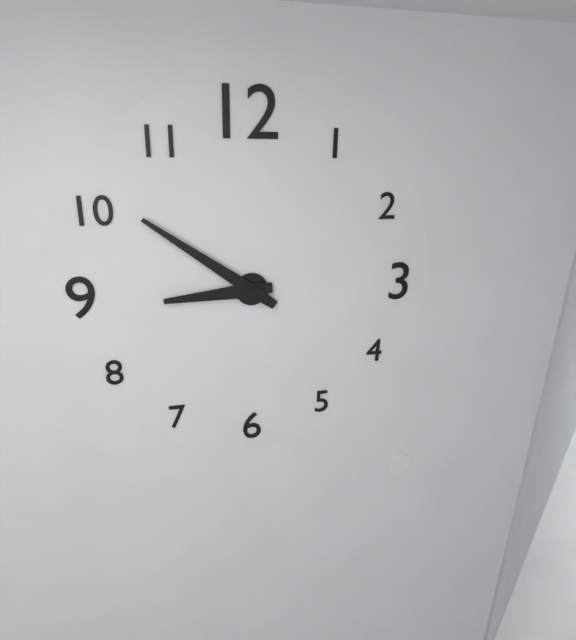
8:51
